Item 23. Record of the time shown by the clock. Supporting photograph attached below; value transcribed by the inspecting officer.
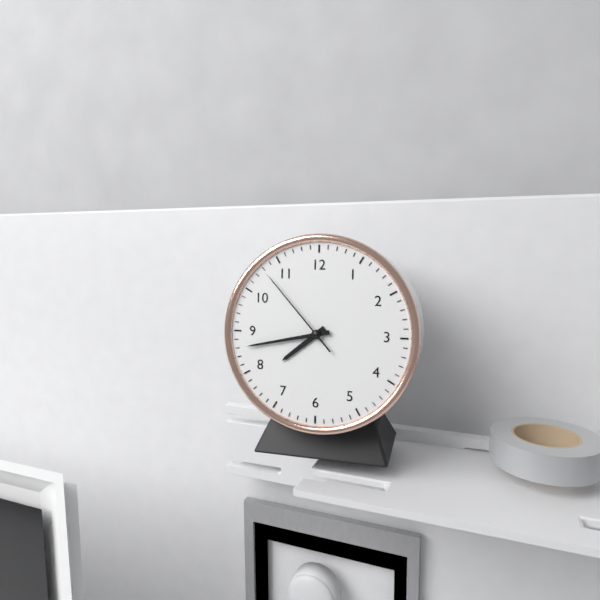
7:43:53
